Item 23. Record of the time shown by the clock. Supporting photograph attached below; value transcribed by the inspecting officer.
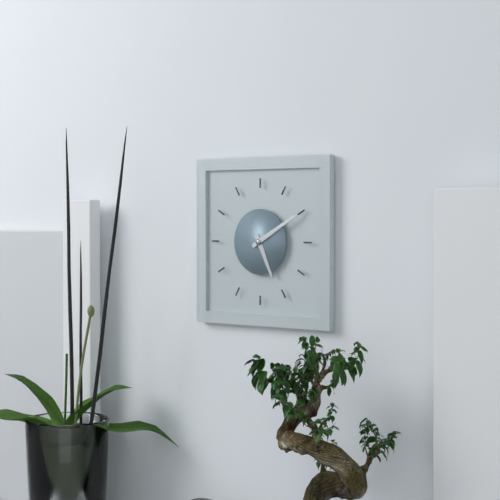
5:10
